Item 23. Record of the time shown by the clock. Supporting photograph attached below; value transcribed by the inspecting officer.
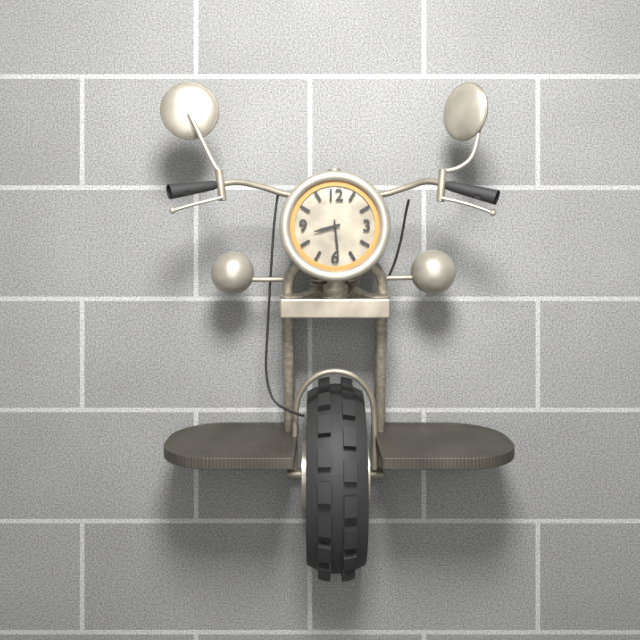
8:29
